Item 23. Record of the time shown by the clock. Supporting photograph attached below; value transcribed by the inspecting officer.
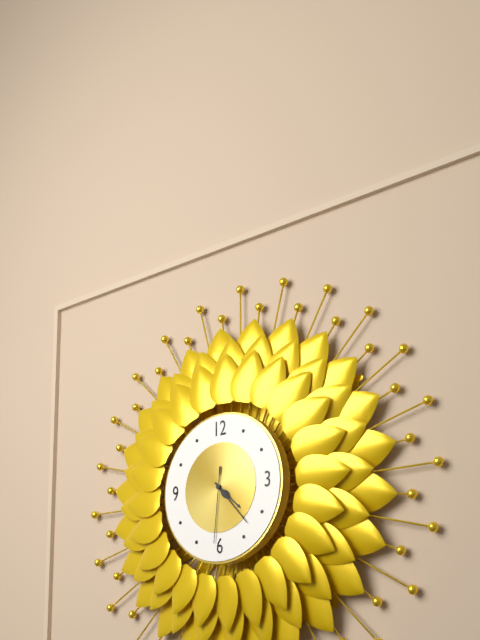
4:23:31
